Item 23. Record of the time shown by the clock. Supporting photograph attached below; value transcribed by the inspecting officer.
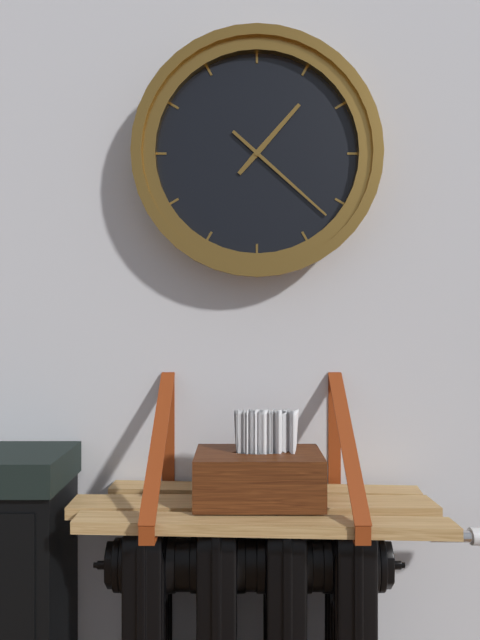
1:22
